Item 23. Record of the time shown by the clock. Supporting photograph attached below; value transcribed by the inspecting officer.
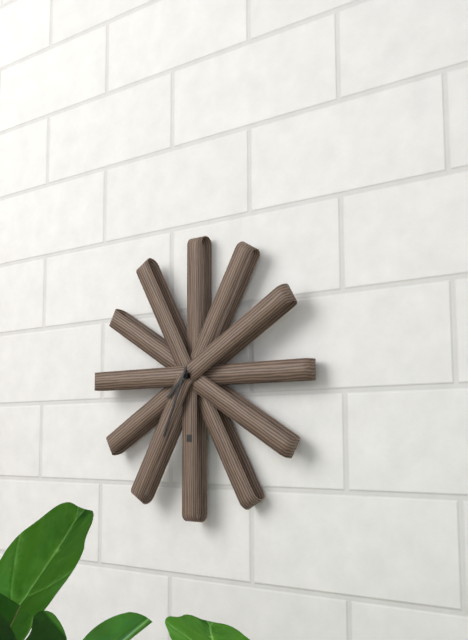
7:34
